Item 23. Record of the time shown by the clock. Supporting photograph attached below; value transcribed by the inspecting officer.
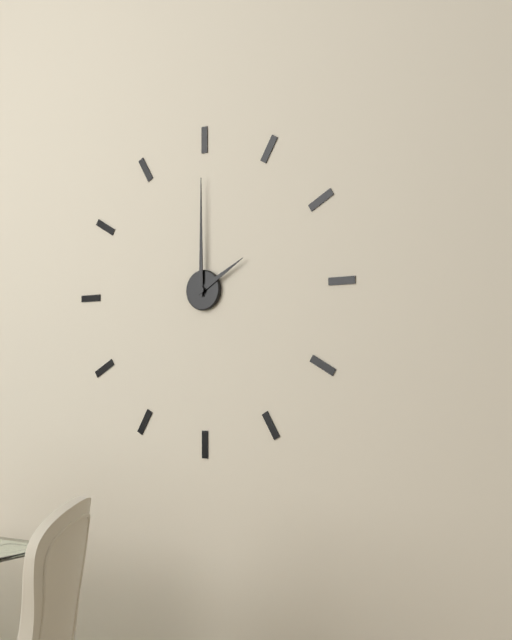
2:00
